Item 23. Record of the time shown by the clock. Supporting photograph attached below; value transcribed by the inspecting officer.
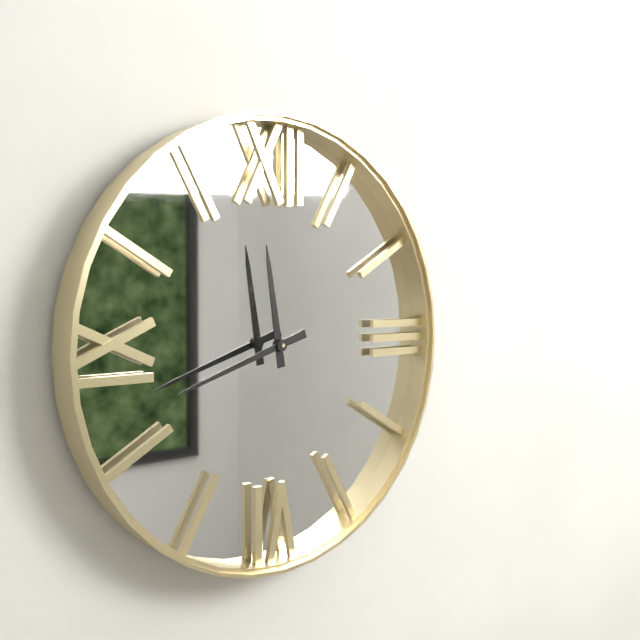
11:42
